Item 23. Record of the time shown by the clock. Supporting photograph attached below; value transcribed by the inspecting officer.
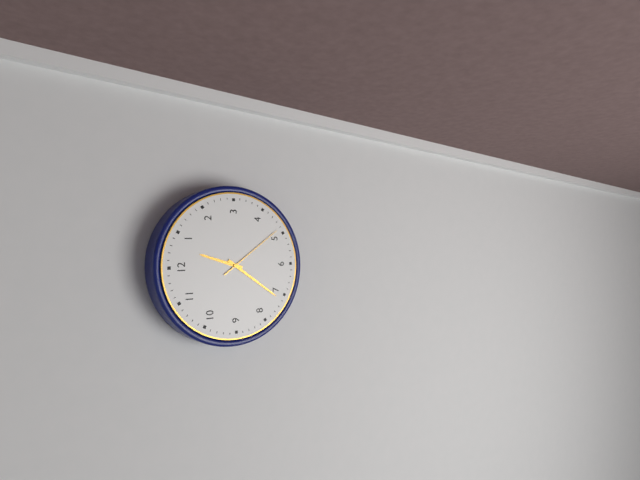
12:36:24
